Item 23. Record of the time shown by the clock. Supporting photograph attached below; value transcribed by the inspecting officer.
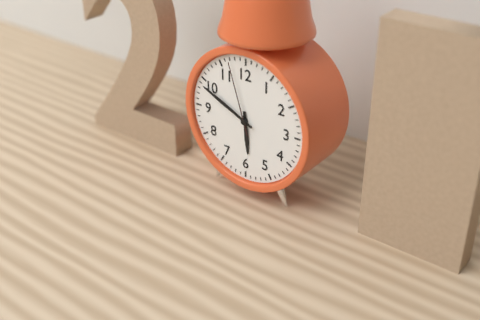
5:49:57
